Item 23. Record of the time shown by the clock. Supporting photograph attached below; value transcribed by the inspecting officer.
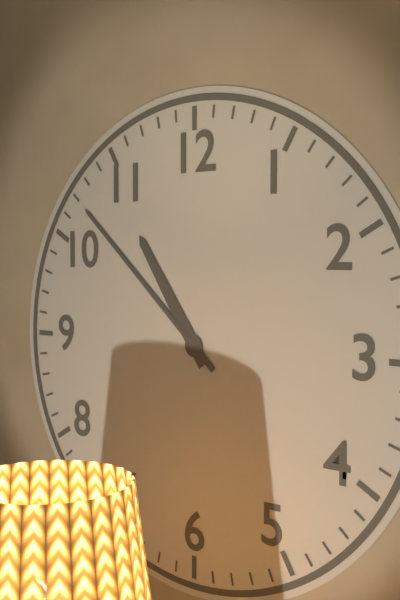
10:52
